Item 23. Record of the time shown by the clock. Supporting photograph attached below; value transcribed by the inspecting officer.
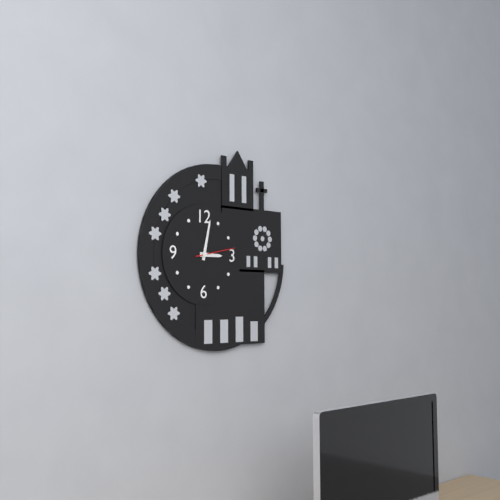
3:02
